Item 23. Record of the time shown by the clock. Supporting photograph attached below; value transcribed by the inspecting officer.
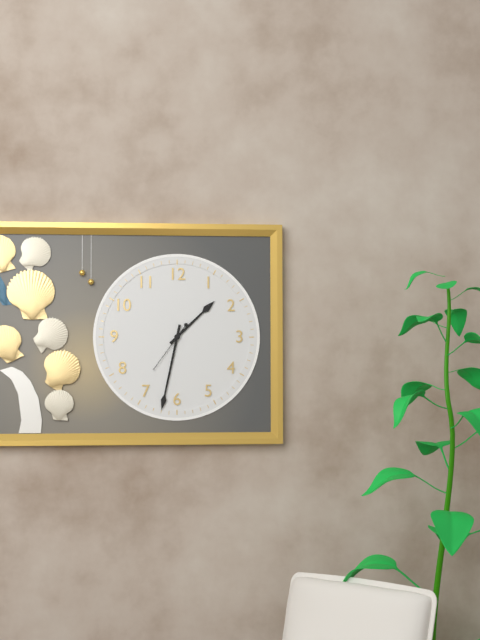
1:32:36
